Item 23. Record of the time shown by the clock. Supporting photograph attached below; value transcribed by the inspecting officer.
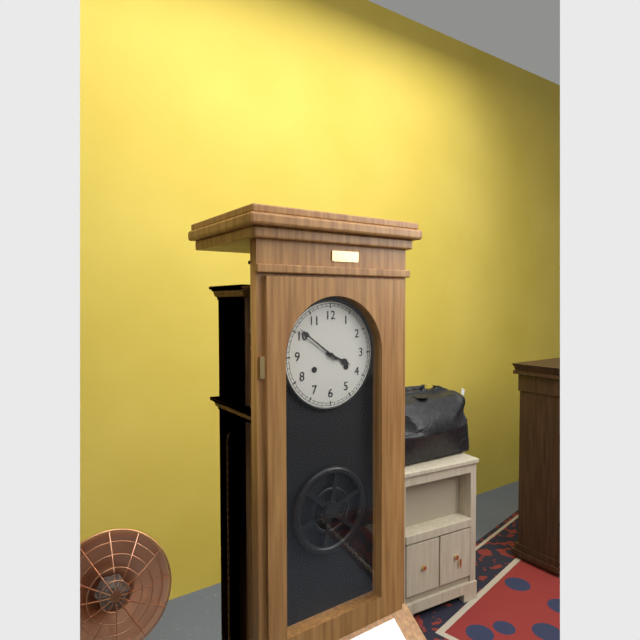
3:51
